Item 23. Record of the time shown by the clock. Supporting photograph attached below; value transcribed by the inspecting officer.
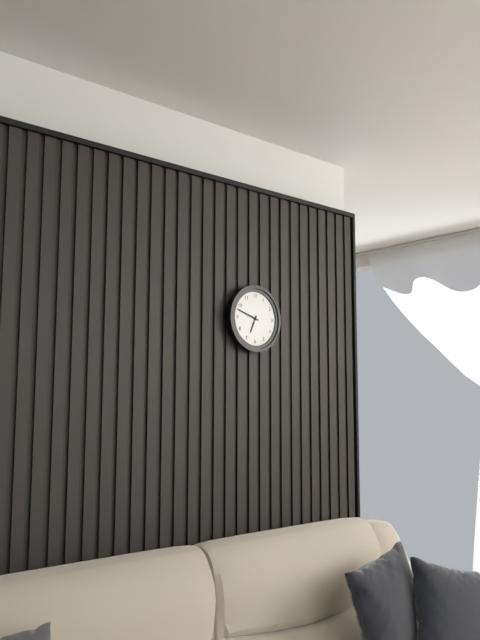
6:48
